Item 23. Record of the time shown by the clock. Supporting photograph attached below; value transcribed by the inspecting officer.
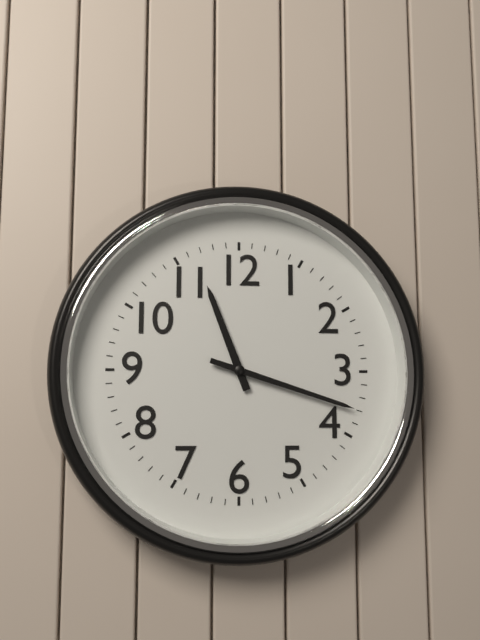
11:18
